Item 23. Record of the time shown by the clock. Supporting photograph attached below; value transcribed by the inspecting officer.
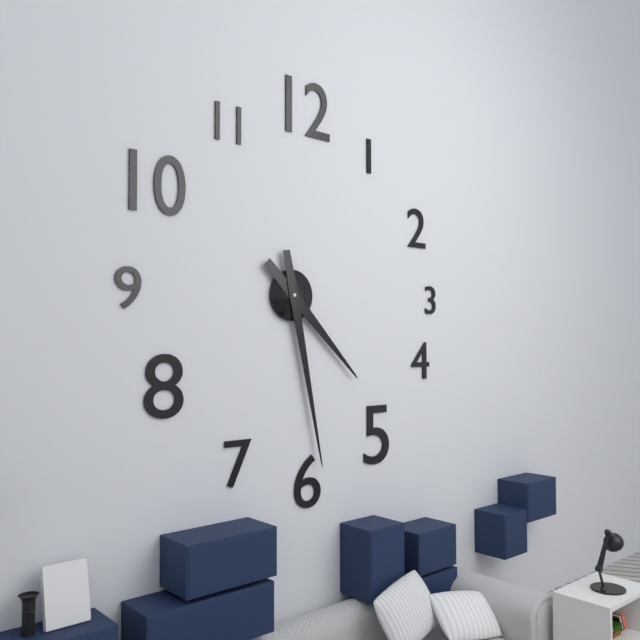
4:28
